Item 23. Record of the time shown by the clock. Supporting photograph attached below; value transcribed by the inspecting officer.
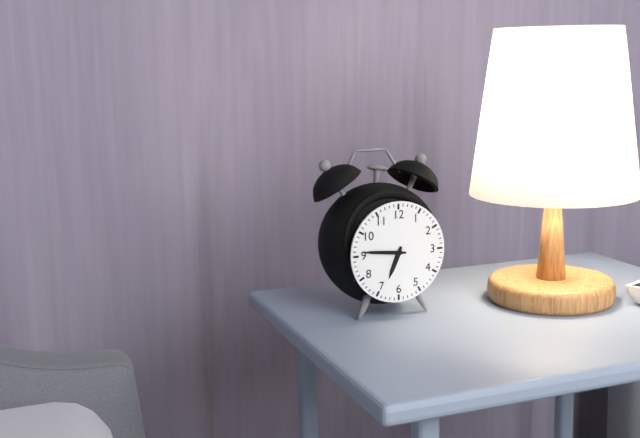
6:46
